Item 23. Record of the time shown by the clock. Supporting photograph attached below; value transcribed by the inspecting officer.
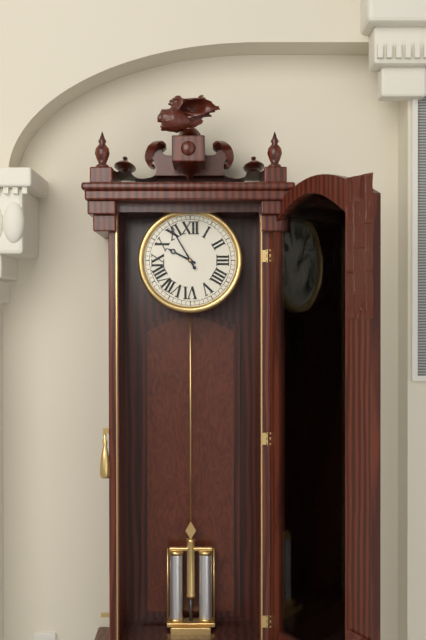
9:55
